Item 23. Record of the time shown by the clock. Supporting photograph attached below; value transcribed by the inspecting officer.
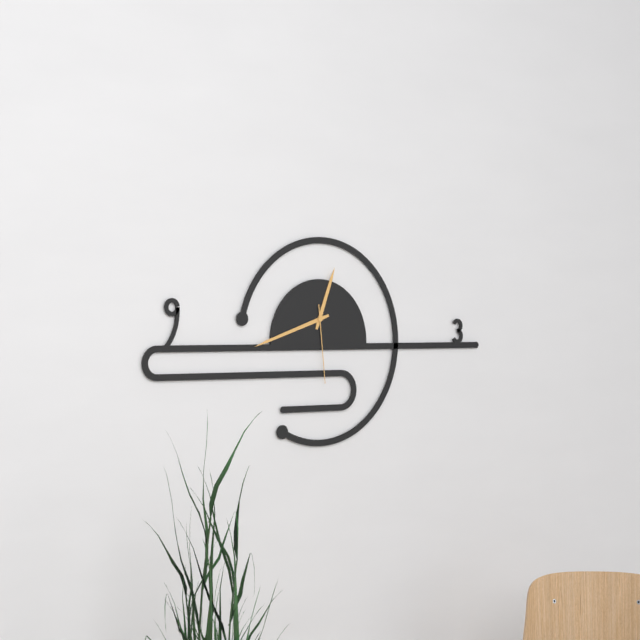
12:42:29
